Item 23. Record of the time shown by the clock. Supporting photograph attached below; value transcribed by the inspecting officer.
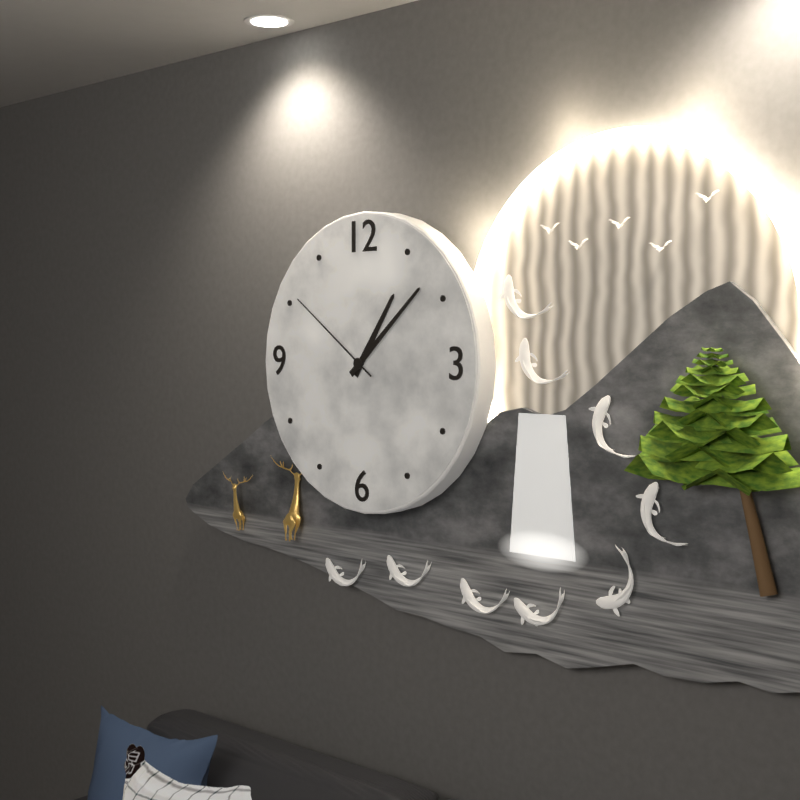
1:08:51
